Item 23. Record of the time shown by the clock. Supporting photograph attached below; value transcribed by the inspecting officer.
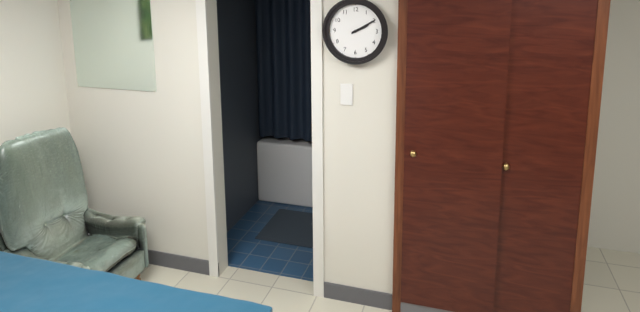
2:10
